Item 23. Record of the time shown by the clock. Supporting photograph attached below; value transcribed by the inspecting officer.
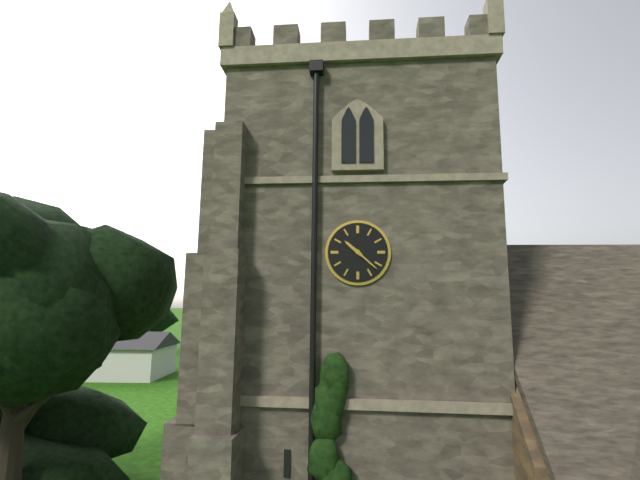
10:22
